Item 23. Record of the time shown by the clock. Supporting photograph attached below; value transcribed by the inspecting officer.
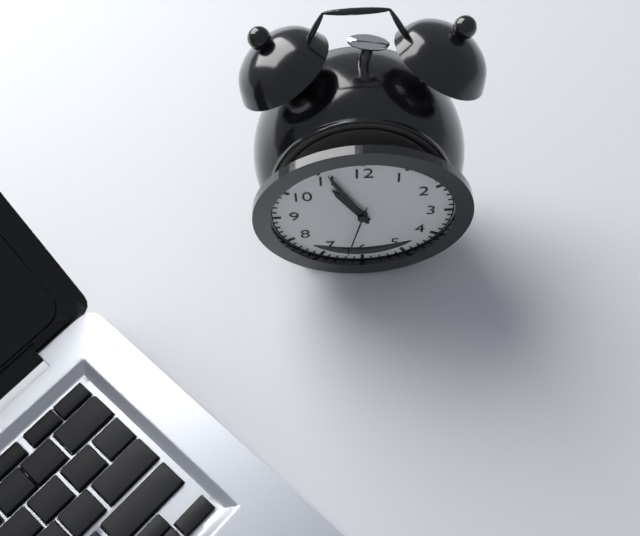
10:56:32
